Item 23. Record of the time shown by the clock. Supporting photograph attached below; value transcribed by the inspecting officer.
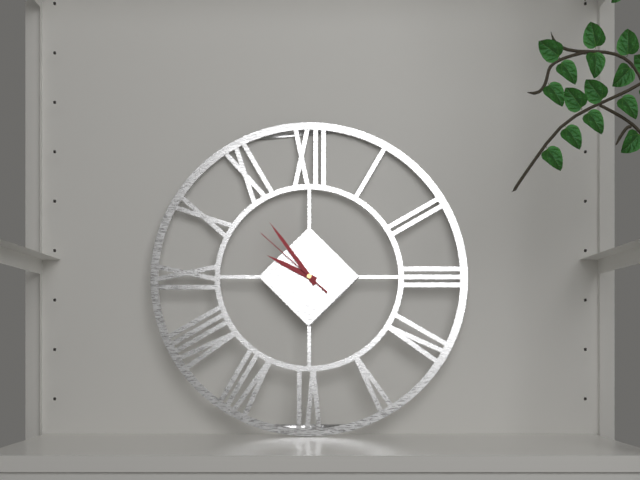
9:54:52
